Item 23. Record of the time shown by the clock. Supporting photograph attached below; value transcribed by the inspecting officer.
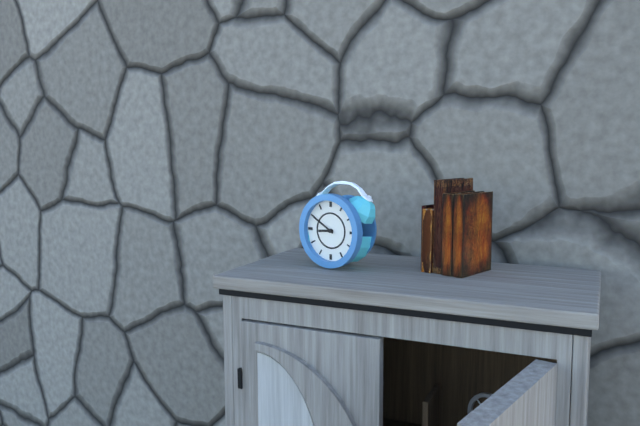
8:50
